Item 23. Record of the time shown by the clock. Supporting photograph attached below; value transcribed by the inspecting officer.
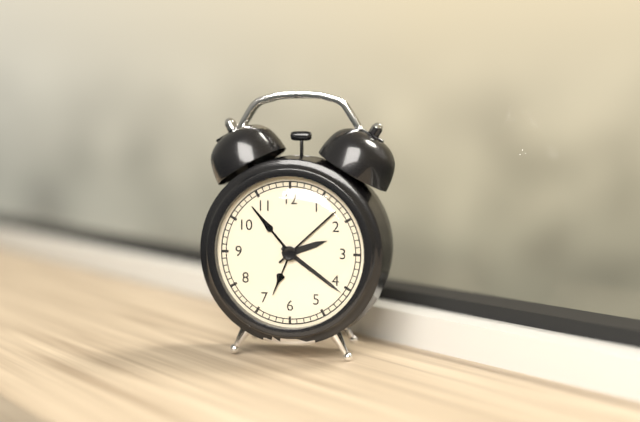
2:21
